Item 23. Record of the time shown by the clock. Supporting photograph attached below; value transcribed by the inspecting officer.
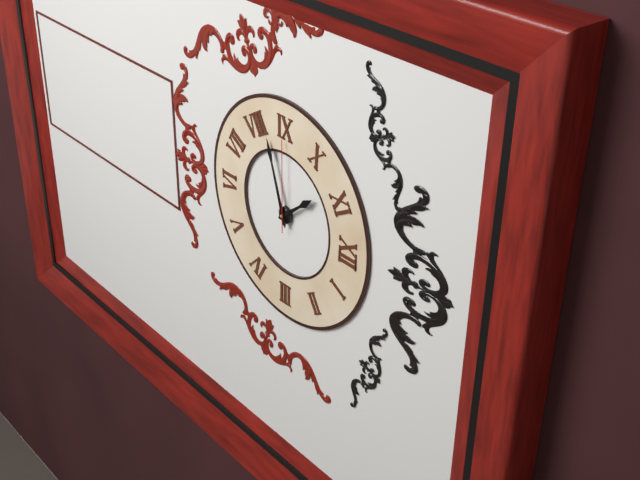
10:42:45
